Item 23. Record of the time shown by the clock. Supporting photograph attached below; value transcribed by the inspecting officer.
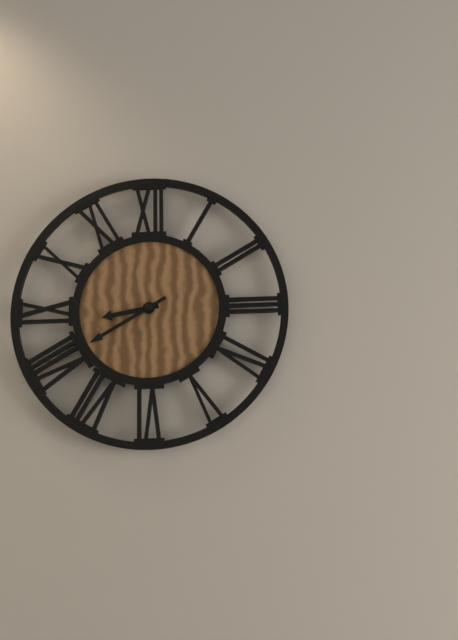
8:40
